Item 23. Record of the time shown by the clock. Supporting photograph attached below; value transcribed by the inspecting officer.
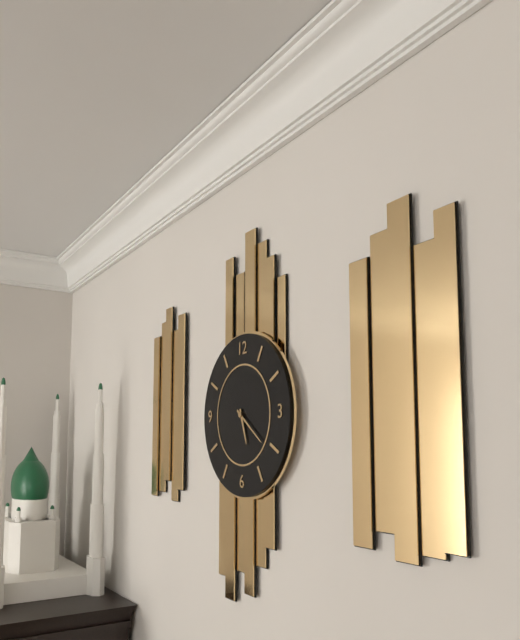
5:21
